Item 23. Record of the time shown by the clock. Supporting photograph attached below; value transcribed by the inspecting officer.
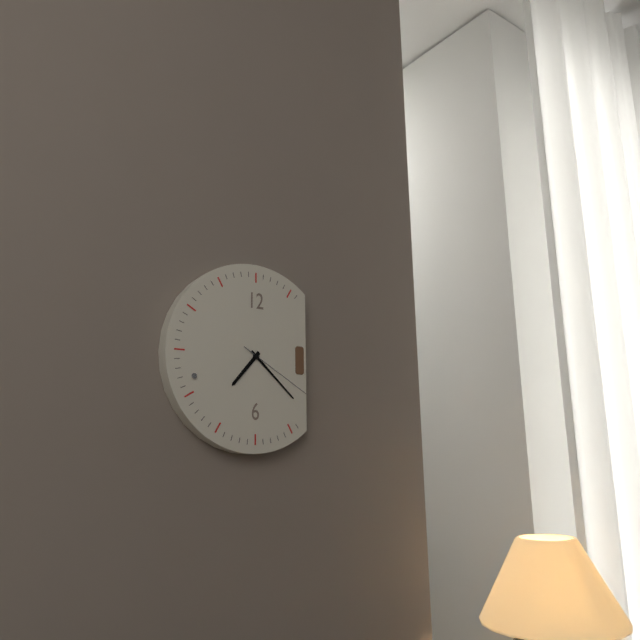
7:22:20
